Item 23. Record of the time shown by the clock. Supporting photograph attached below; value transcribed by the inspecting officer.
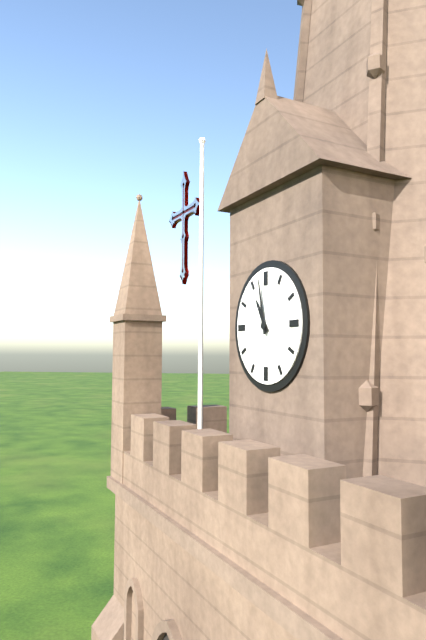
10:58
